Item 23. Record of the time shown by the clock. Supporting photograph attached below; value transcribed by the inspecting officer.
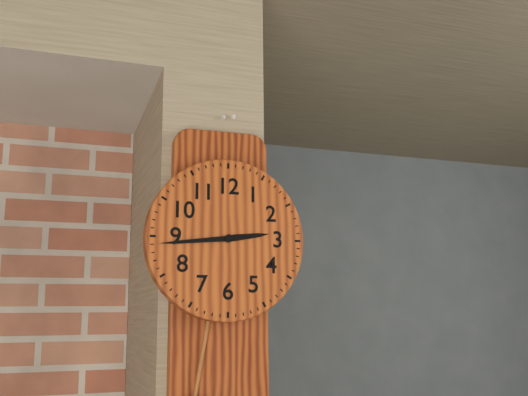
2:44
